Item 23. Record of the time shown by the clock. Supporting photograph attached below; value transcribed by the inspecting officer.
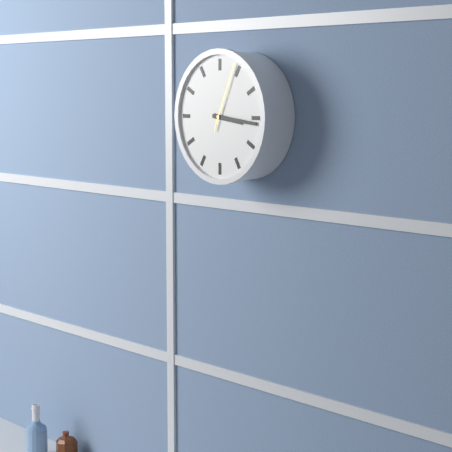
3:16:04
